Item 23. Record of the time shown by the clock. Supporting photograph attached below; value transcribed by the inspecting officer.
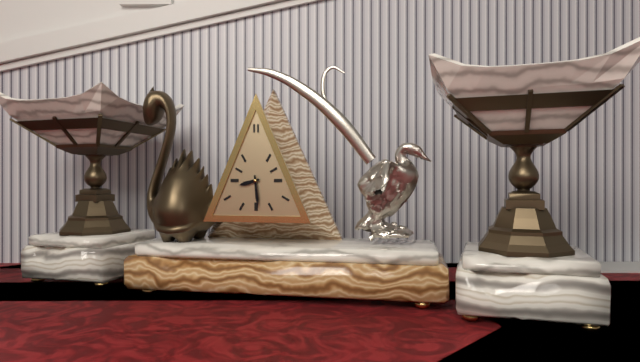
8:29
